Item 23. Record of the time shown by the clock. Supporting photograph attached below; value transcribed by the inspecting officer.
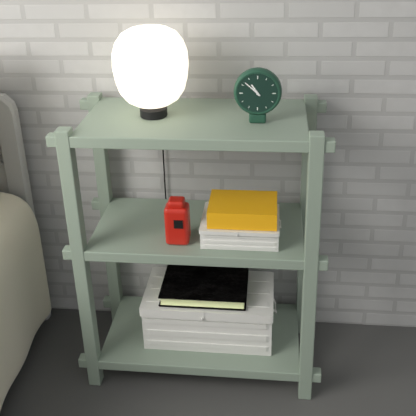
10:52
